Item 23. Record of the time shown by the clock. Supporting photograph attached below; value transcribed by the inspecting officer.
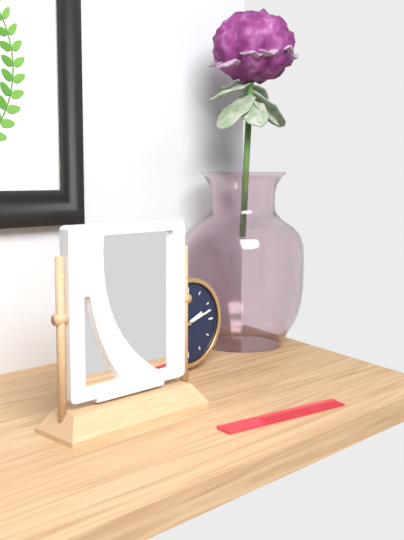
2:12
